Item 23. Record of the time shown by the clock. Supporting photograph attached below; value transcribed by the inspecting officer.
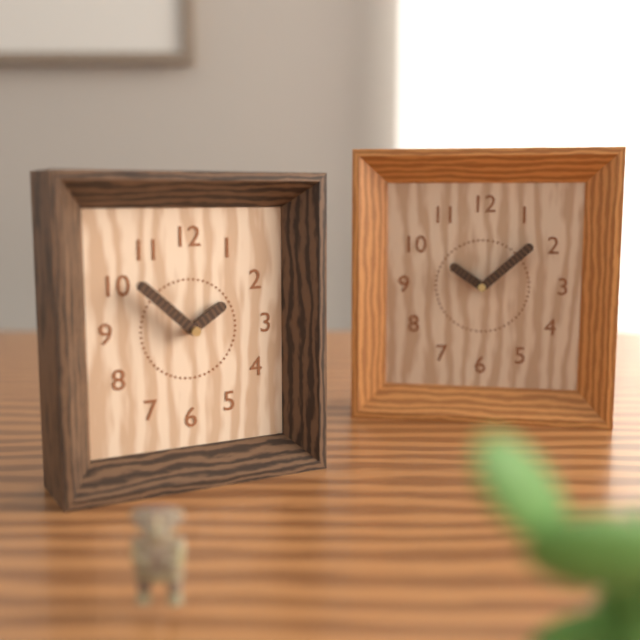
1:52
